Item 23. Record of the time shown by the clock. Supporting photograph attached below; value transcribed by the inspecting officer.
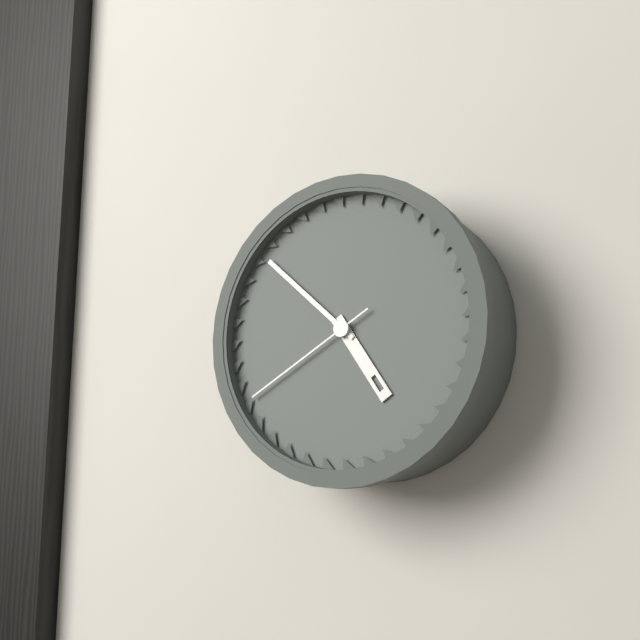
4:52:40
